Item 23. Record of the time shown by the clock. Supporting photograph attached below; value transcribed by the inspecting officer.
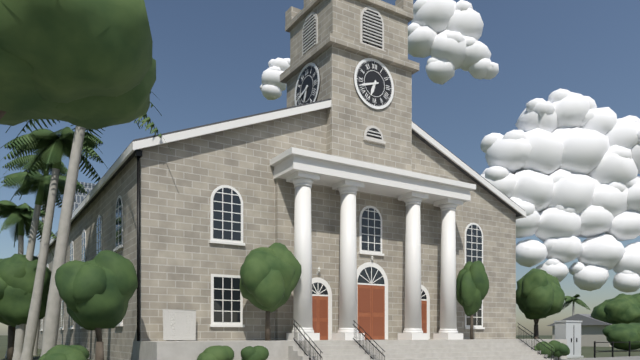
6:42
